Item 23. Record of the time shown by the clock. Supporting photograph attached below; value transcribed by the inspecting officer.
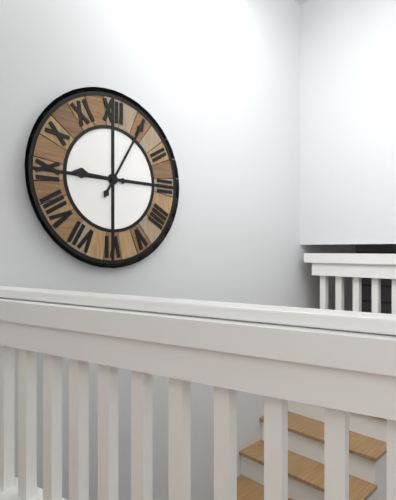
9:05
